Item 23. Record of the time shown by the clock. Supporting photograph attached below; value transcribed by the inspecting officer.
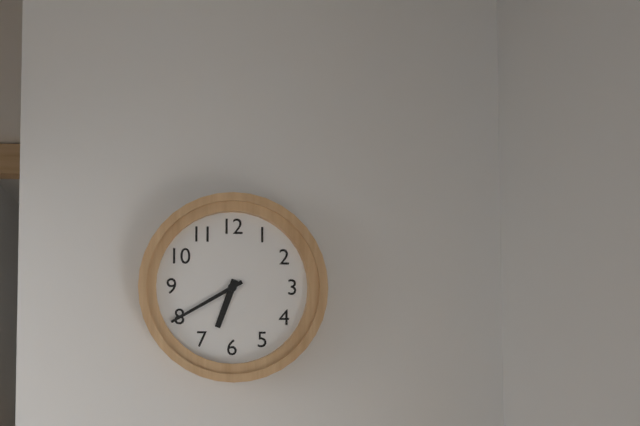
6:40
